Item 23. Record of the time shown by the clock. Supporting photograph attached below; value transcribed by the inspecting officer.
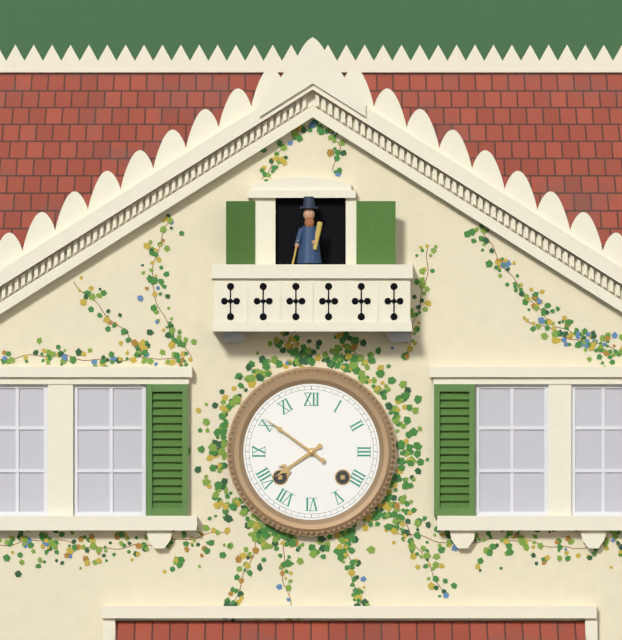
7:51
